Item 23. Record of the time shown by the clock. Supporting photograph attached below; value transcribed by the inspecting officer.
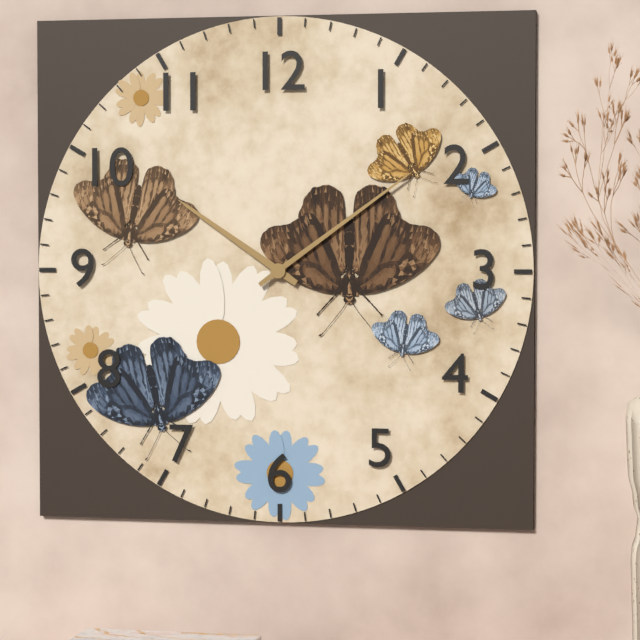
10:09
